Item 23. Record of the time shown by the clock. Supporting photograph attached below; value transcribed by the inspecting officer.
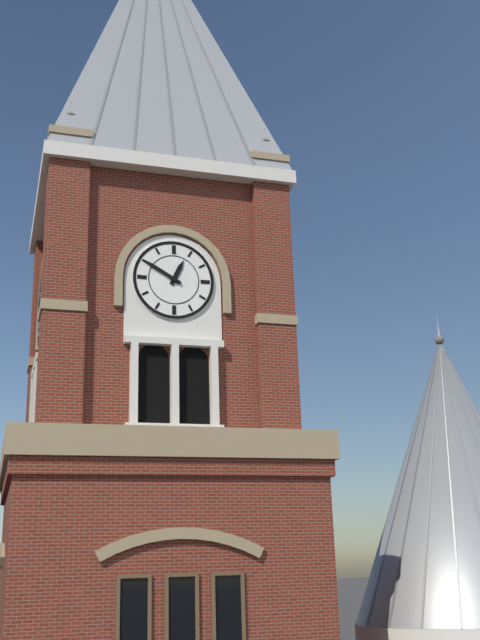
12:50
